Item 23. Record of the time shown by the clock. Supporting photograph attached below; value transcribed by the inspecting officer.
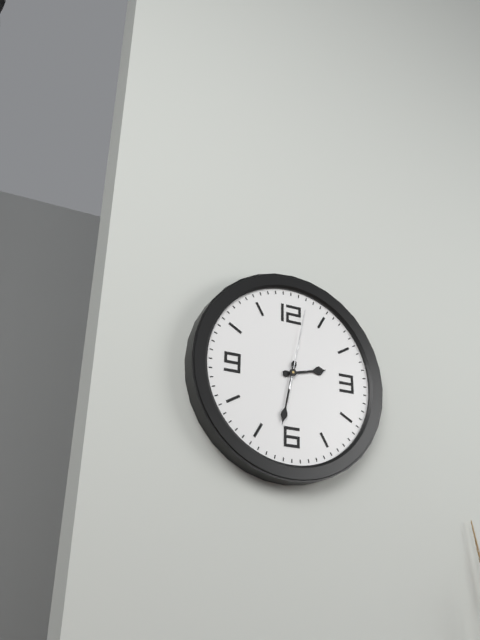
2:32:02
